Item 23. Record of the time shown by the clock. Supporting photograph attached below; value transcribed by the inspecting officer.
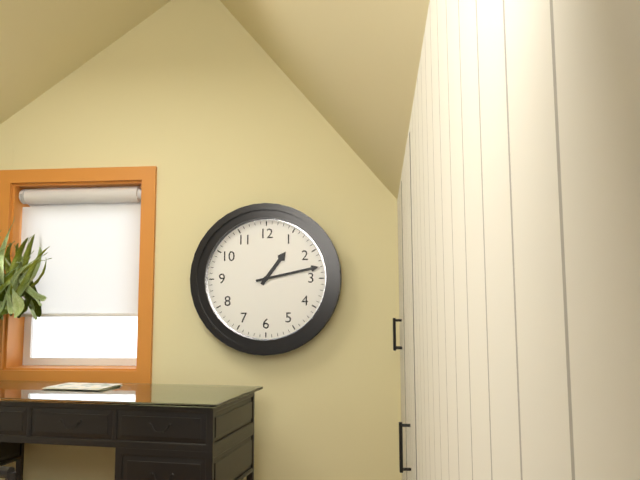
1:13
